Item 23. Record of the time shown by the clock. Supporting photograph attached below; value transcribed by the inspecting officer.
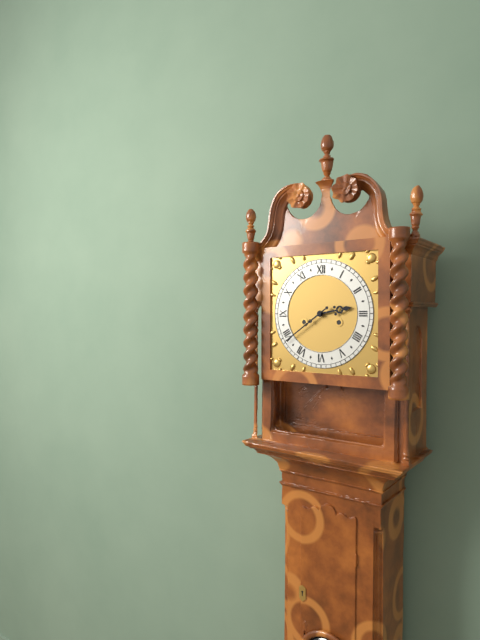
2:39
